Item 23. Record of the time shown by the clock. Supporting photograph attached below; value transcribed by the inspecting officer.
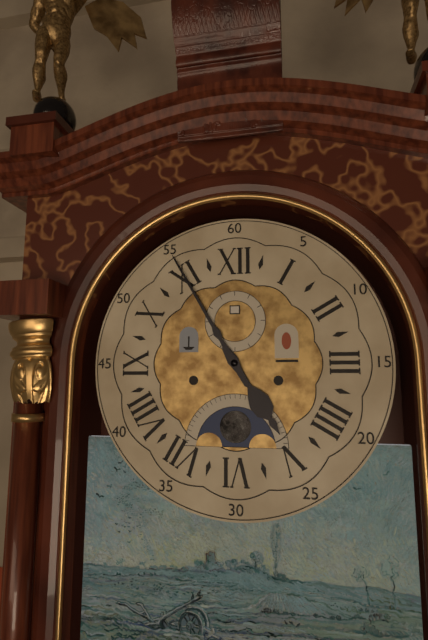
4:55
